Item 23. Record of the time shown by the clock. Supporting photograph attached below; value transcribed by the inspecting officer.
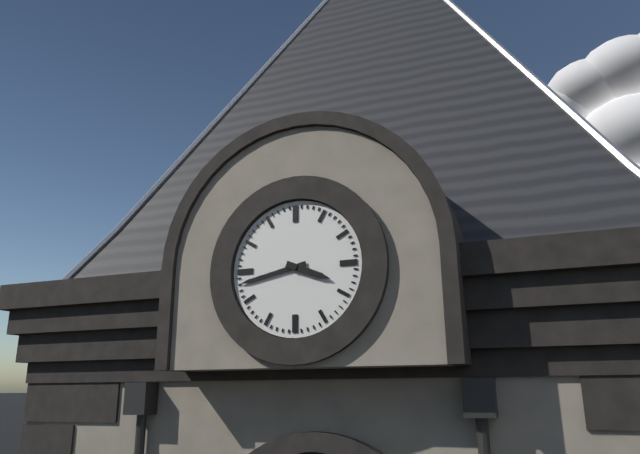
3:43
